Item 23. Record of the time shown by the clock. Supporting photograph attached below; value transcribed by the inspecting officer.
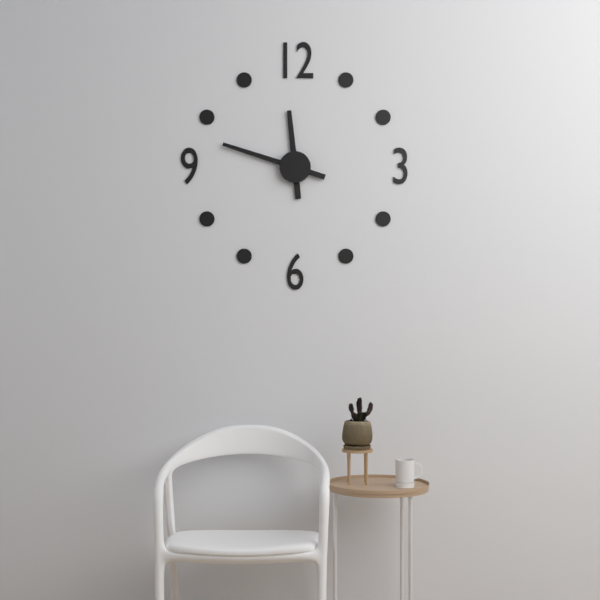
11:48
